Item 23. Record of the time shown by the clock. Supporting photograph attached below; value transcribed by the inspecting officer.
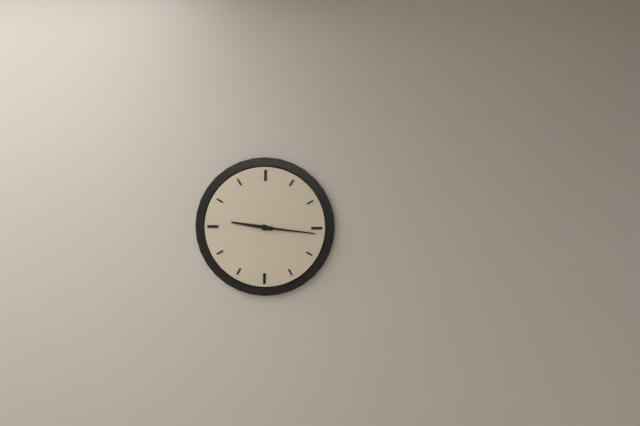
9:16
